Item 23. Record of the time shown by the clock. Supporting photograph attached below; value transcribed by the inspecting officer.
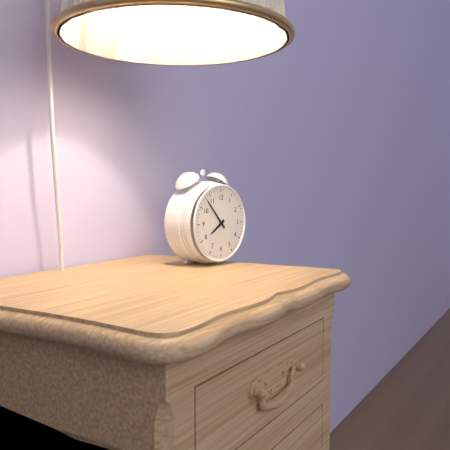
7:53
